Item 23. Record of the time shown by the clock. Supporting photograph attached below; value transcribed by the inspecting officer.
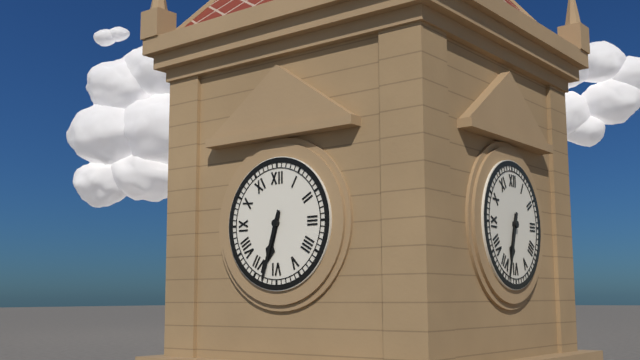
6:33
